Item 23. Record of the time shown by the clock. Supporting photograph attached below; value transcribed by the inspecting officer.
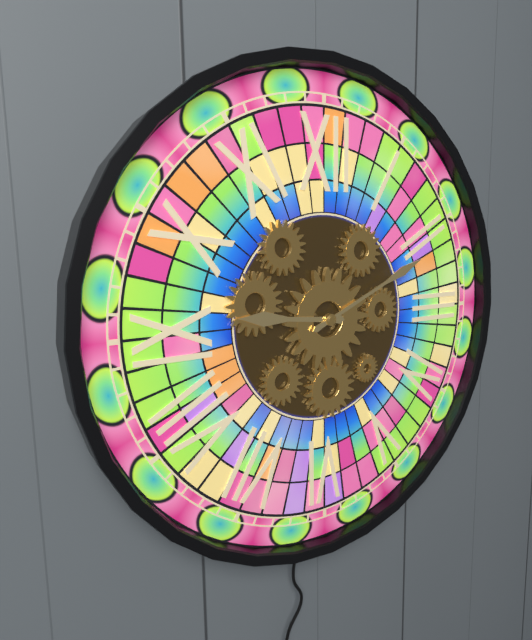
9:11
